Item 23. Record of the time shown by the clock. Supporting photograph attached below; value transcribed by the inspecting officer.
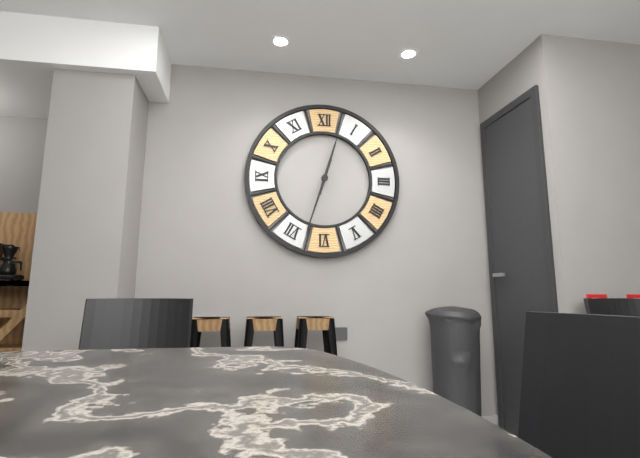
12:33
